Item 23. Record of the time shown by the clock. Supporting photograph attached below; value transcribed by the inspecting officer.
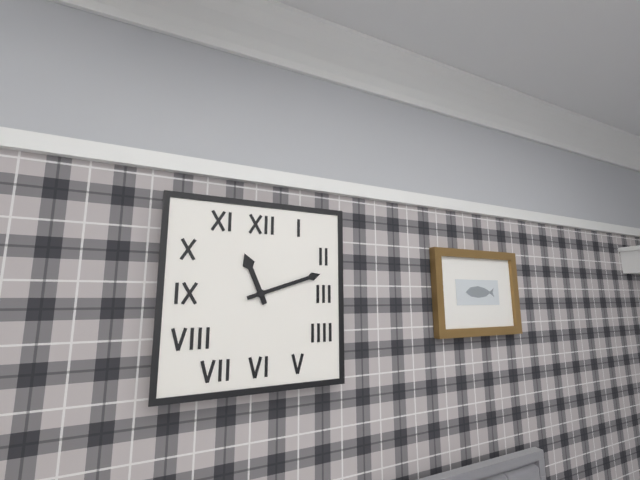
11:12
